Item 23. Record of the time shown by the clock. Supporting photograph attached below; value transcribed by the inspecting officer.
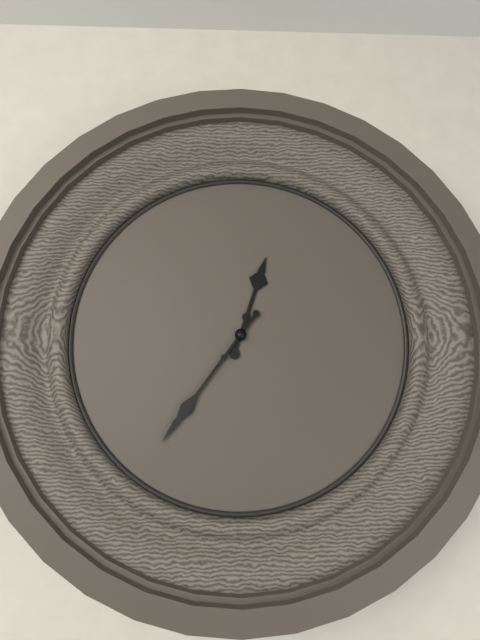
12:36
